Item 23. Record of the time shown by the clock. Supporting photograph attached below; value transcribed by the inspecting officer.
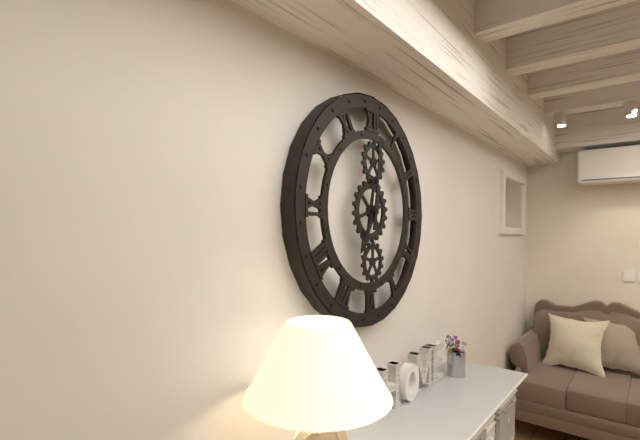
7:01
